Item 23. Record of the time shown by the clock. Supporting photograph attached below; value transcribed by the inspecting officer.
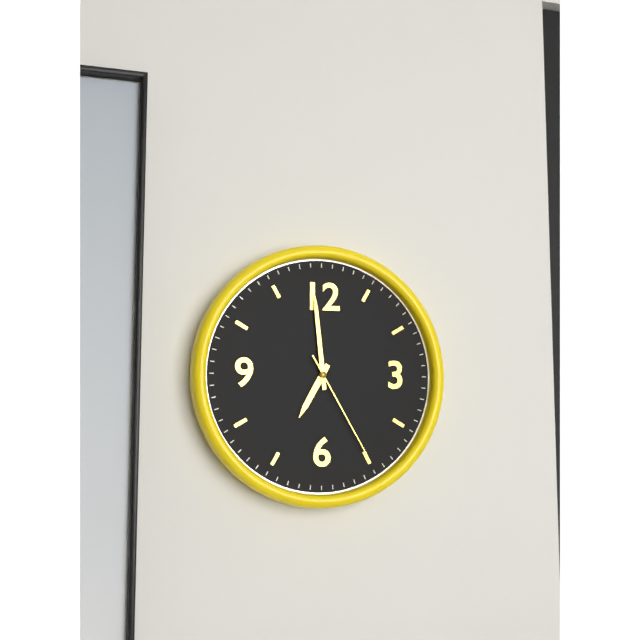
6:59:25
